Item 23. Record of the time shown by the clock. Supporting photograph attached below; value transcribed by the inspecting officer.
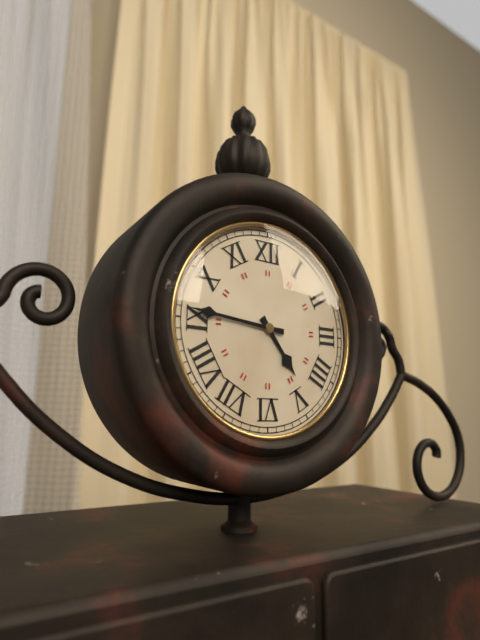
4:46
